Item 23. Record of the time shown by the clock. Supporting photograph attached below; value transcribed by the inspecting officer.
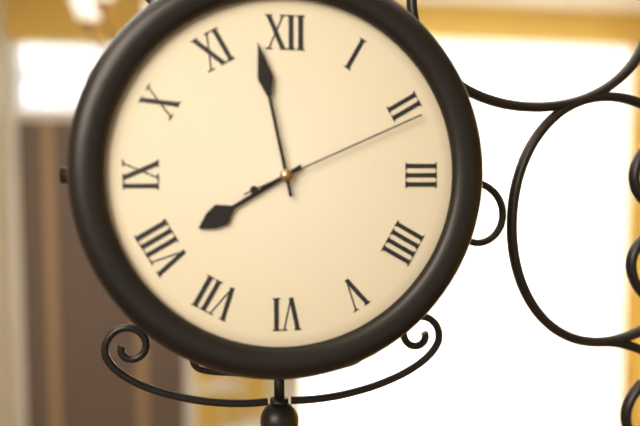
7:58:11
